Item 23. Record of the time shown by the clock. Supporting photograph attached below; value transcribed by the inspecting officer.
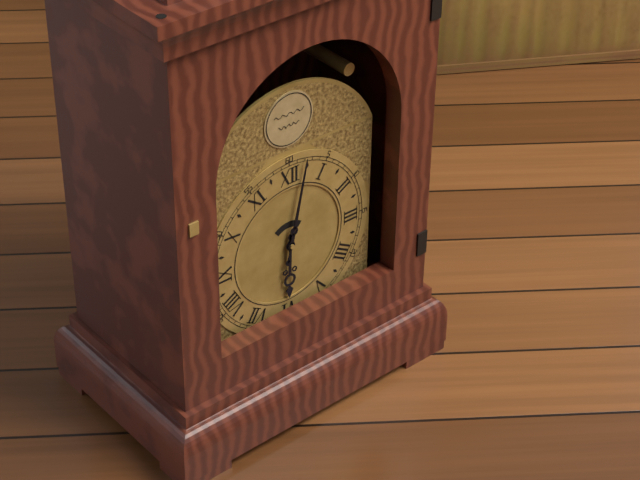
6:02
